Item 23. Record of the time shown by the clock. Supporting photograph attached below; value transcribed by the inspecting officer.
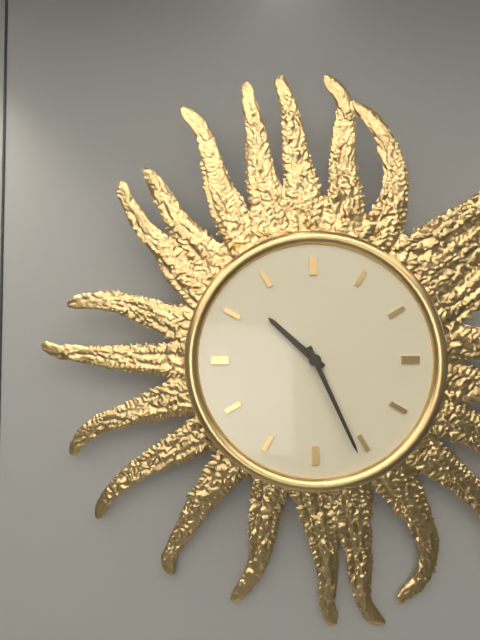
10:26
